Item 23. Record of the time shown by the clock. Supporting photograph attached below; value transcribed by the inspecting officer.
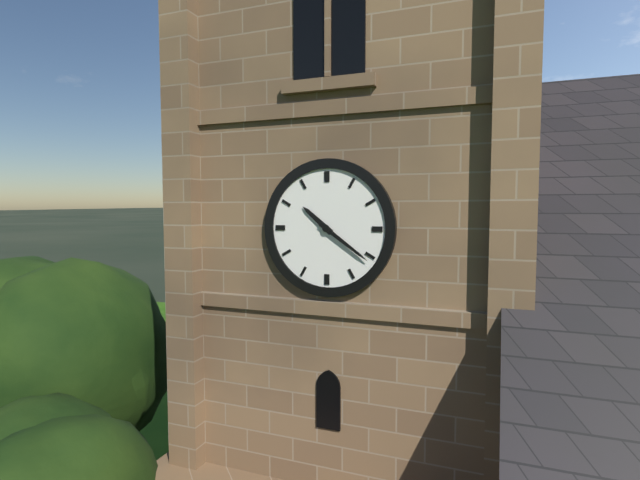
10:21
